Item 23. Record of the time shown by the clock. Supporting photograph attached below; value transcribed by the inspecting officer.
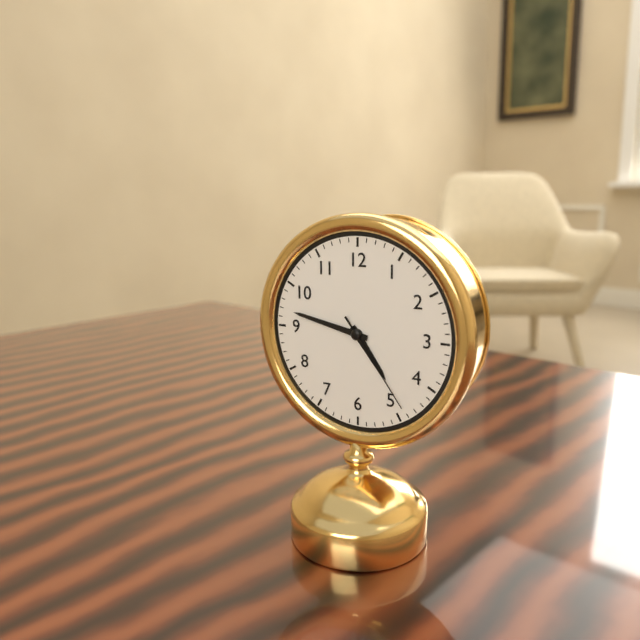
4:47:24
